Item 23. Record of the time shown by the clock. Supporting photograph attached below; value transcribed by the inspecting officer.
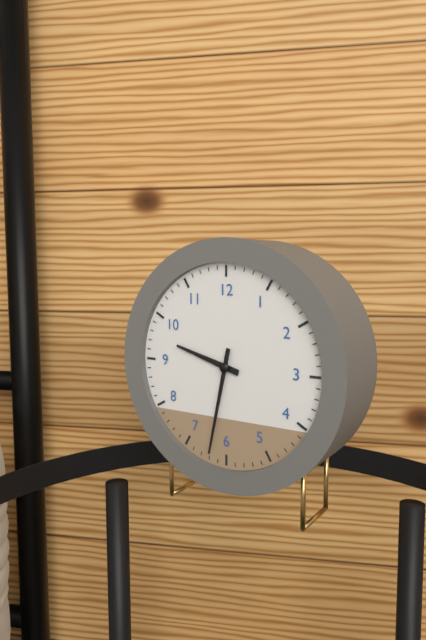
9:32
